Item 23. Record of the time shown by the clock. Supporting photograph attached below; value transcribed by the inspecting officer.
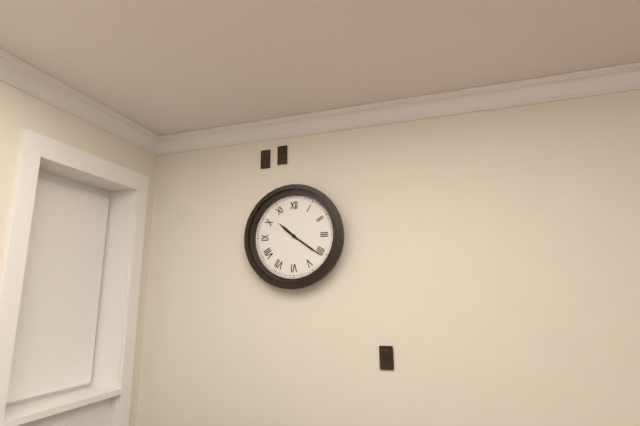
10:21
